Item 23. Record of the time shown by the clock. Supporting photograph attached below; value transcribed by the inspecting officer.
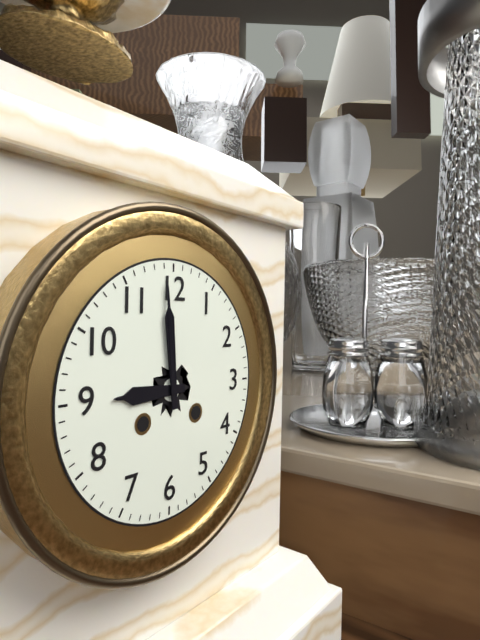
8:59
